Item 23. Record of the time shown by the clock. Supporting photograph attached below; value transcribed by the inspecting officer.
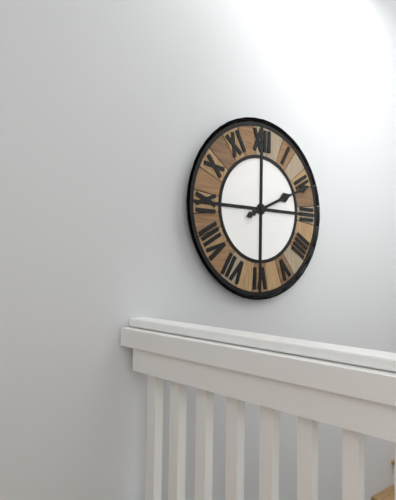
2:11
